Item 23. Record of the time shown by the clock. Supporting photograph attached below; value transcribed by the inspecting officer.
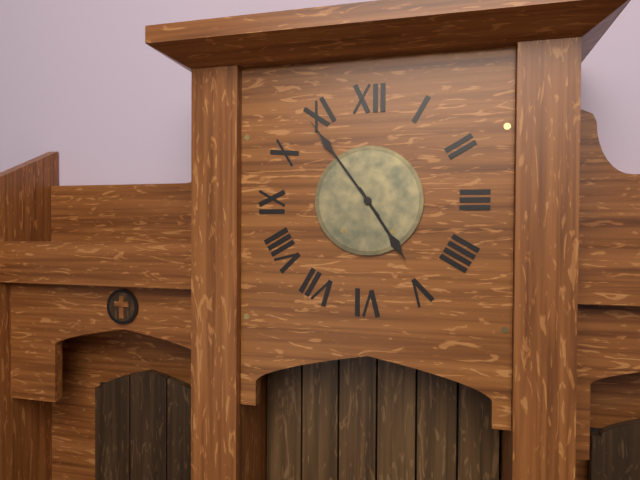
4:54
